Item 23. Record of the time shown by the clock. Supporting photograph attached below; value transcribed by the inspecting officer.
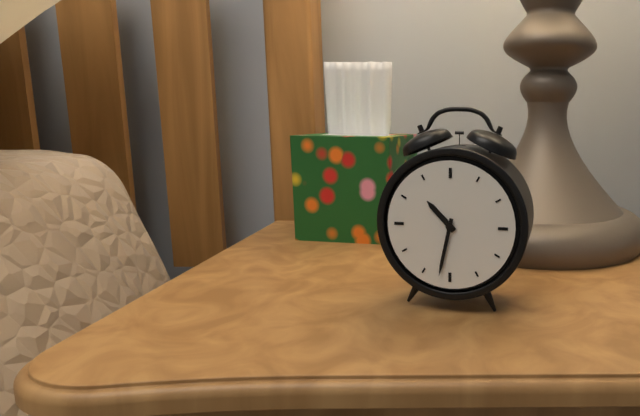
10:32
